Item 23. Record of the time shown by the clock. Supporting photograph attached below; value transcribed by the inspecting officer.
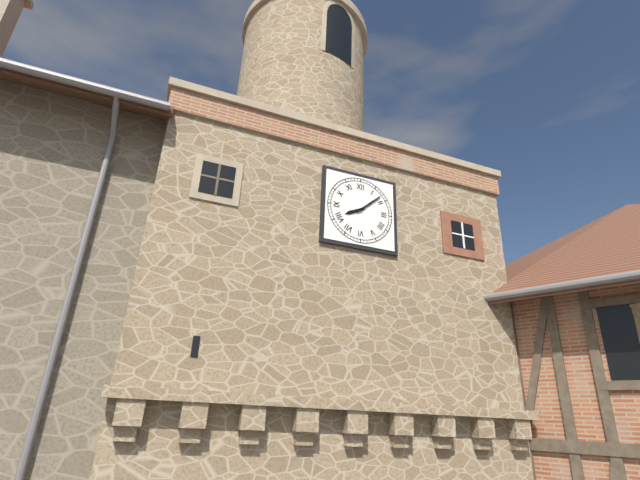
8:08
